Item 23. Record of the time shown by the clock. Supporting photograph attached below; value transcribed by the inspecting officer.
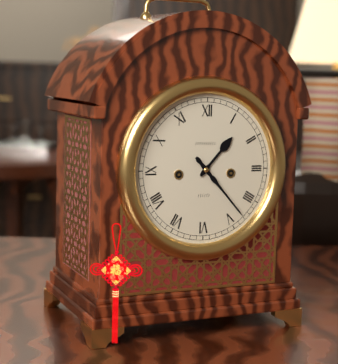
1:23
